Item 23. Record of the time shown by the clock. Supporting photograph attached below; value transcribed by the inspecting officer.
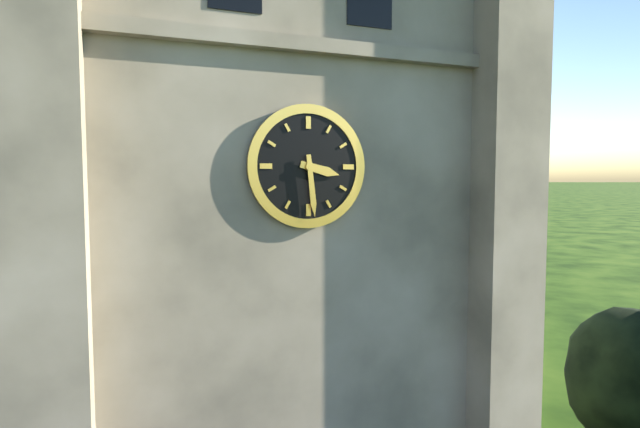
3:29
